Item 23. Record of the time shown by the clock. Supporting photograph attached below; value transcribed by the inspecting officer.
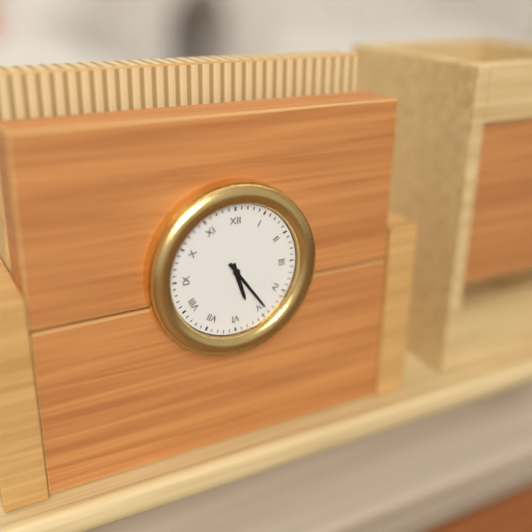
5:24
